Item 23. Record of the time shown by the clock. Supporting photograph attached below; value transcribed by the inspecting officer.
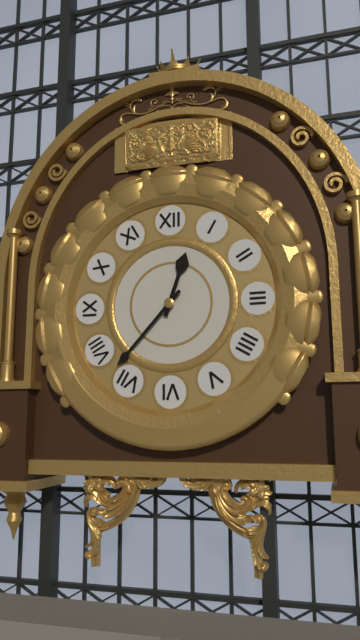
12:37
